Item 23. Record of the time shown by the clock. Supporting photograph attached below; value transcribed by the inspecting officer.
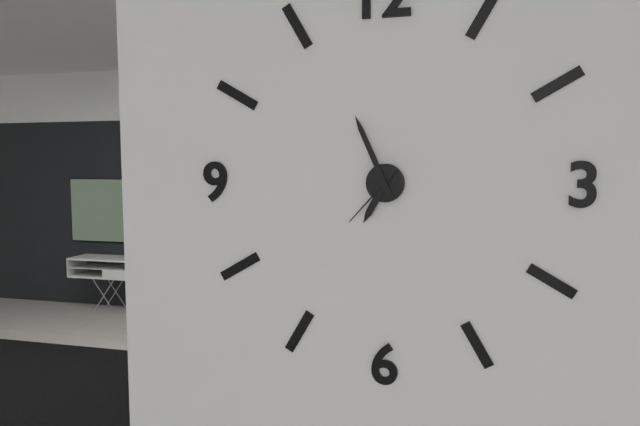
6:56:37
